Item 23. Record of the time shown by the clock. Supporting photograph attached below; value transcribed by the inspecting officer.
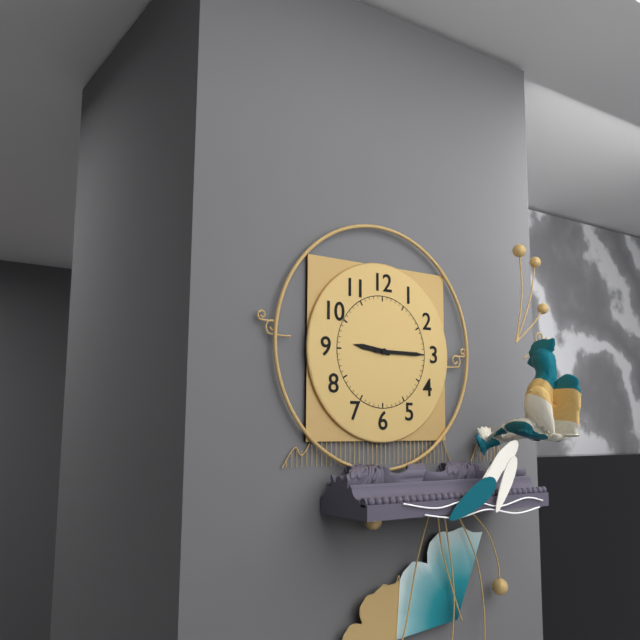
9:15
